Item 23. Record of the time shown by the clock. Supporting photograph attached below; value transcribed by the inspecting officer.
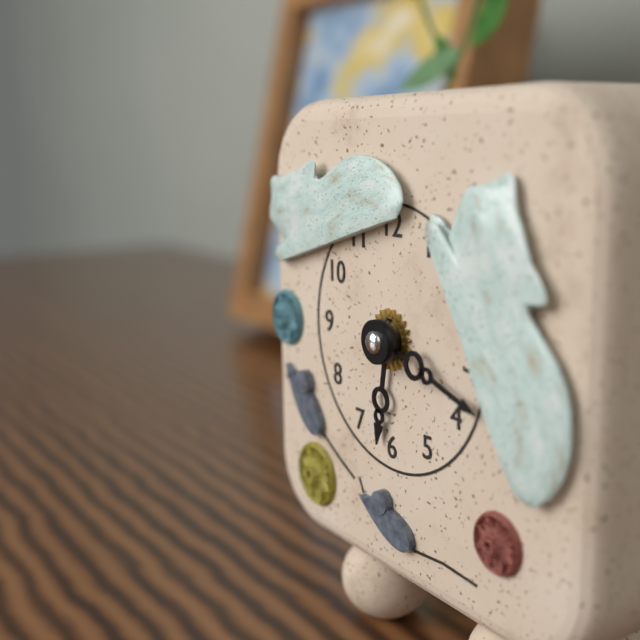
6:18
